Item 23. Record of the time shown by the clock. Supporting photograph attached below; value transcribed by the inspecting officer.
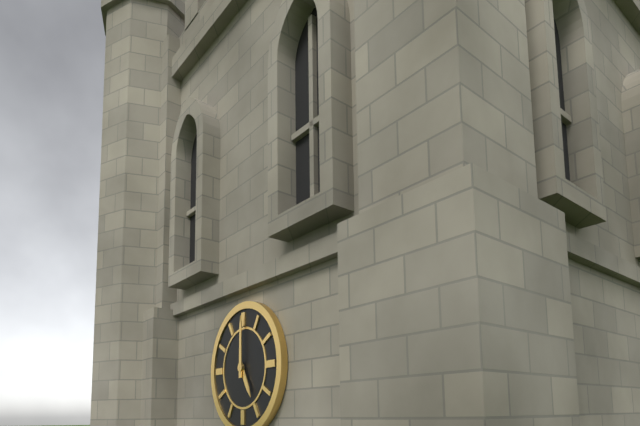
5:00
